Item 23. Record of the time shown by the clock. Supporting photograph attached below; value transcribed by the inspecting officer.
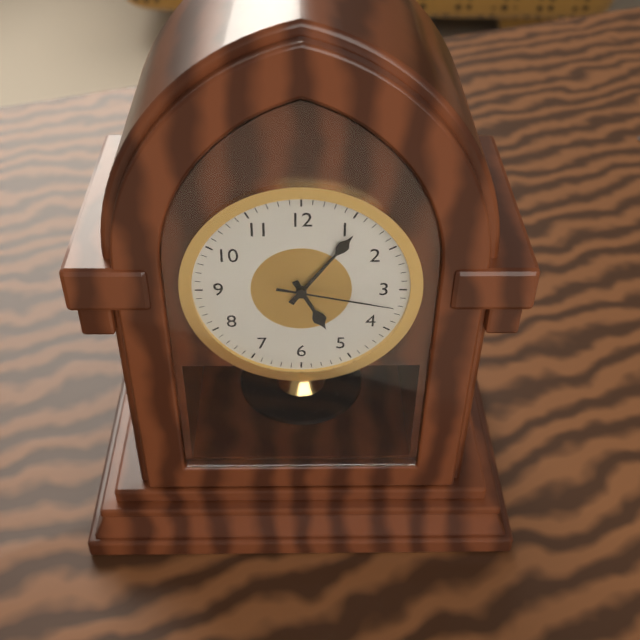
5:06:17
